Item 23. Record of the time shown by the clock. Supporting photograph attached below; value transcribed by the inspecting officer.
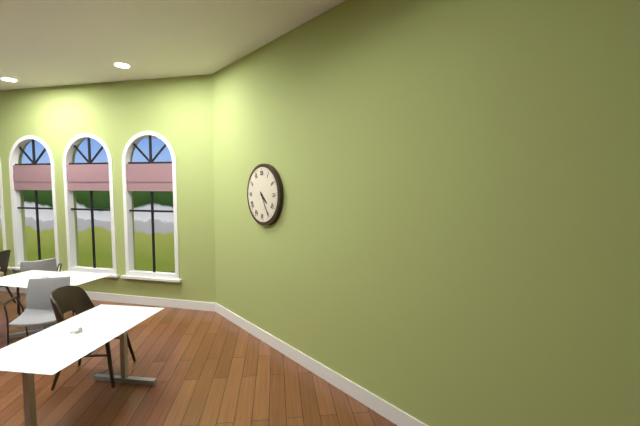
4:25
